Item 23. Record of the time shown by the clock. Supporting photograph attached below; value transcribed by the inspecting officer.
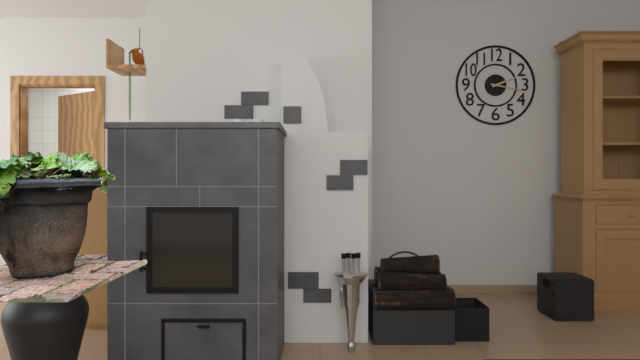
2:17
